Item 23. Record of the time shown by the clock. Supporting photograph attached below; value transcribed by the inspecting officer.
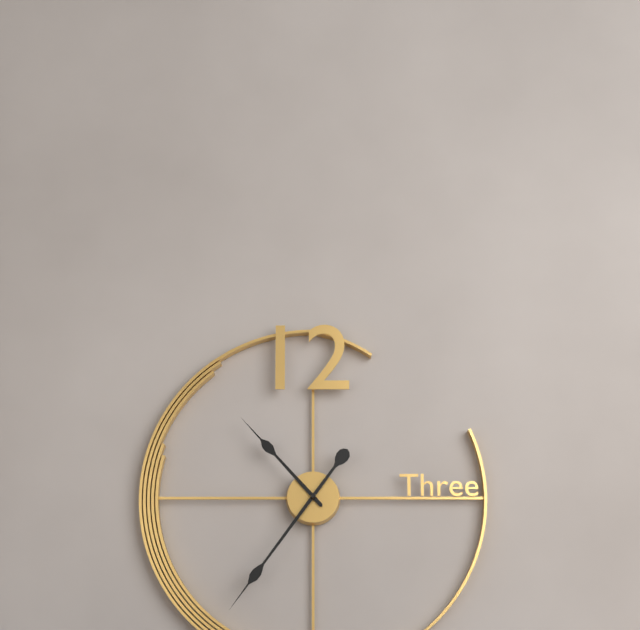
10:36
